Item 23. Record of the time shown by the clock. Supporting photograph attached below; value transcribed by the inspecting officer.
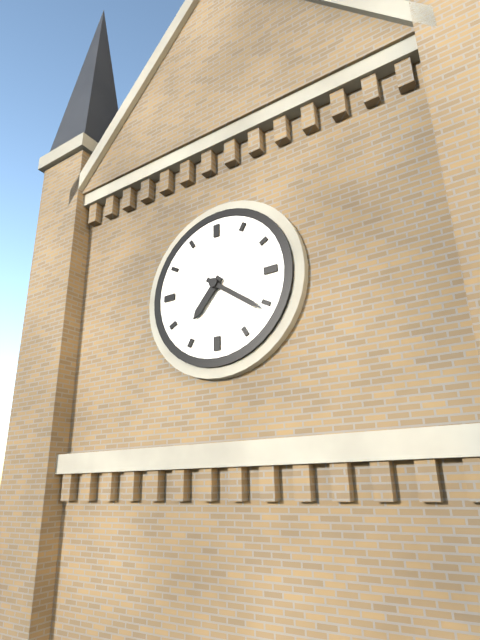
7:21
